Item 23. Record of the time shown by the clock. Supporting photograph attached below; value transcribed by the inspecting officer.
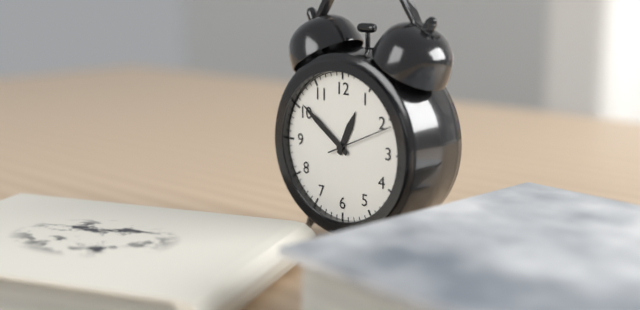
12:51:11
